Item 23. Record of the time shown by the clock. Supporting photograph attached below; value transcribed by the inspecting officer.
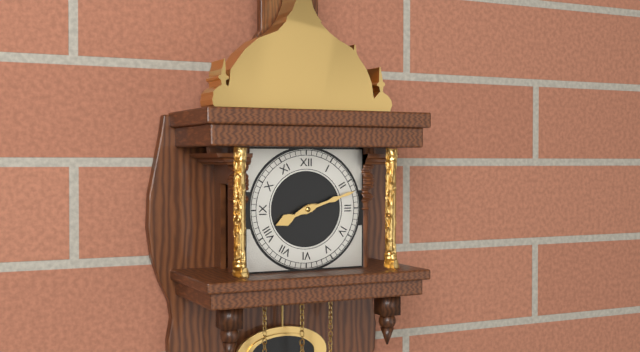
8:12
